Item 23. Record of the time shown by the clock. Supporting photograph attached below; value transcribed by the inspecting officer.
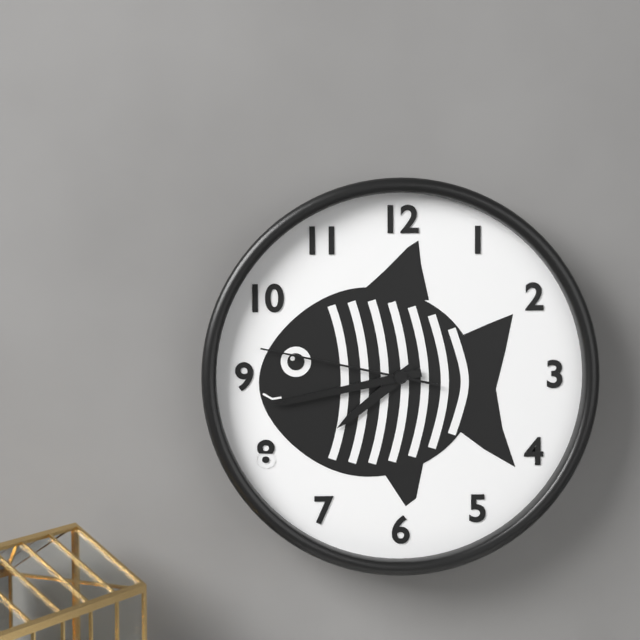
7:43:47
